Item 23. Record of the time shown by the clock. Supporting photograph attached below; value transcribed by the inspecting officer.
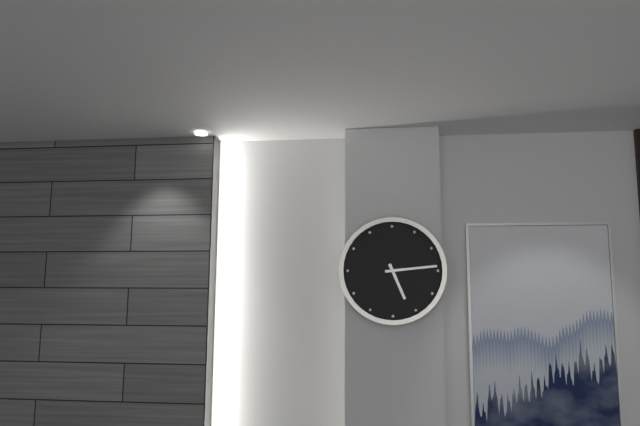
5:14
